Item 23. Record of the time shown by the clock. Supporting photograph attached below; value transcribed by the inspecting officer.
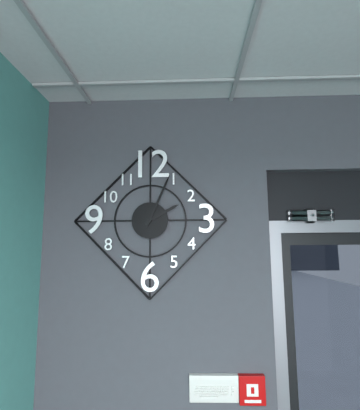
2:04
